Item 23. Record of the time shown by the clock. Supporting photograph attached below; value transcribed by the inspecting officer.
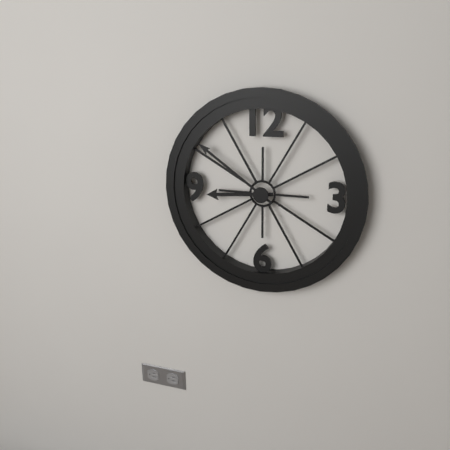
8:51
